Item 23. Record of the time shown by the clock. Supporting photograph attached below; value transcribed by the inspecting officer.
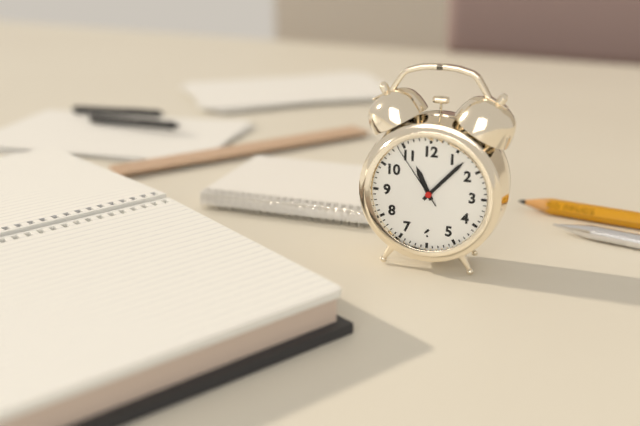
11:07:54
